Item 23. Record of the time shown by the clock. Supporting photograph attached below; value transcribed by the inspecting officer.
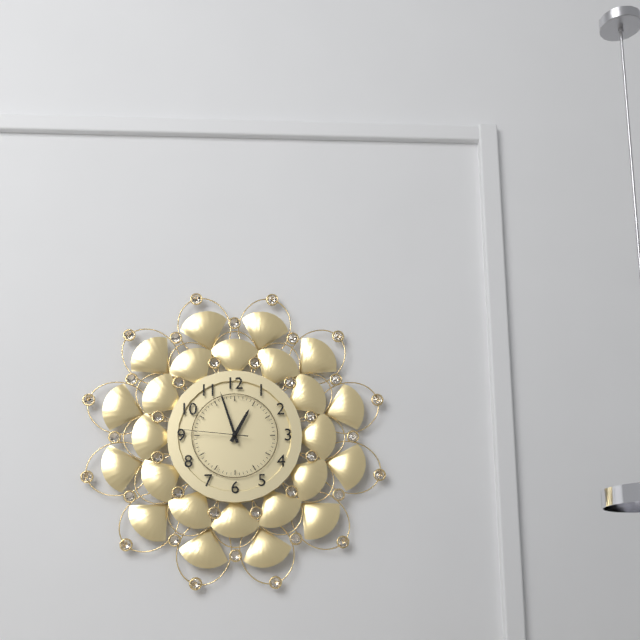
12:57:46
